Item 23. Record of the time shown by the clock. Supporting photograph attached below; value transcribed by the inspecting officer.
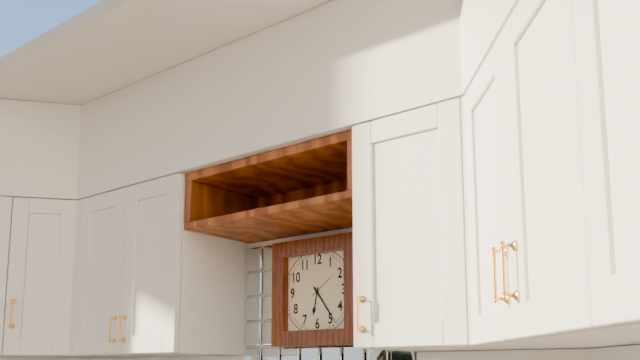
6:24
